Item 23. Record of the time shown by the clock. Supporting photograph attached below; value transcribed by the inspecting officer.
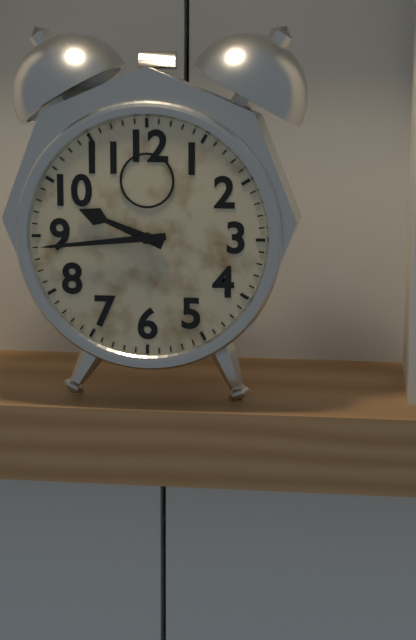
9:44
